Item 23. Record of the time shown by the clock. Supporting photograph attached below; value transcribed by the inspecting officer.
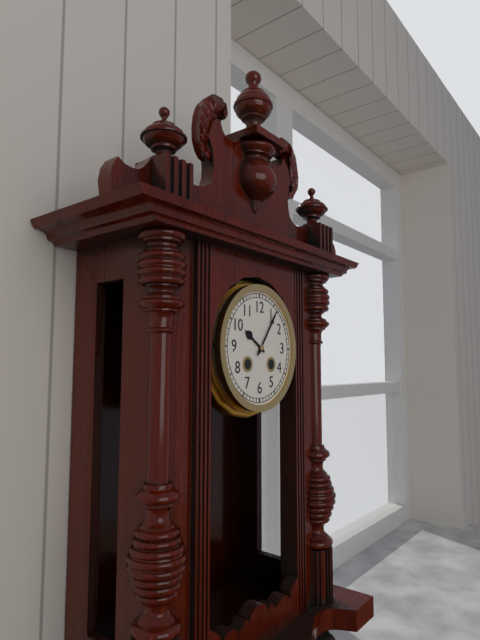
10:06
